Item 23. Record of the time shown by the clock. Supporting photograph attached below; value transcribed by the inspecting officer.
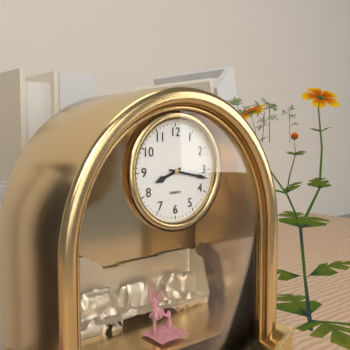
8:17
